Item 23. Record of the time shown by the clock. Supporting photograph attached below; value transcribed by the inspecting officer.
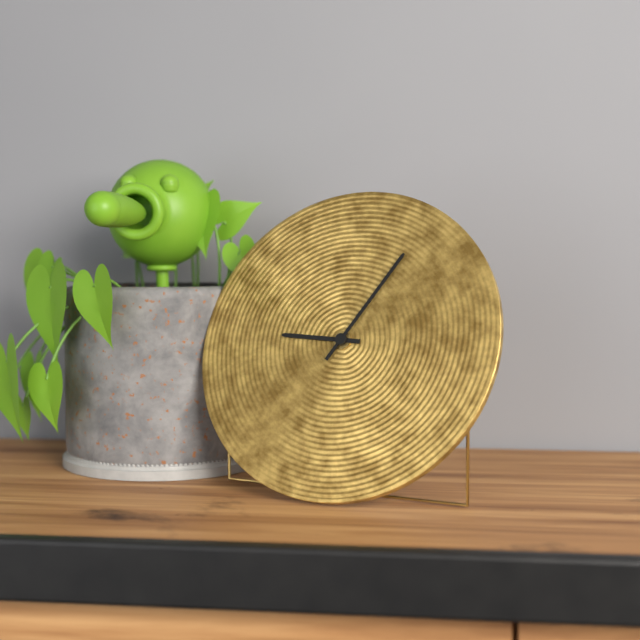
9:05
